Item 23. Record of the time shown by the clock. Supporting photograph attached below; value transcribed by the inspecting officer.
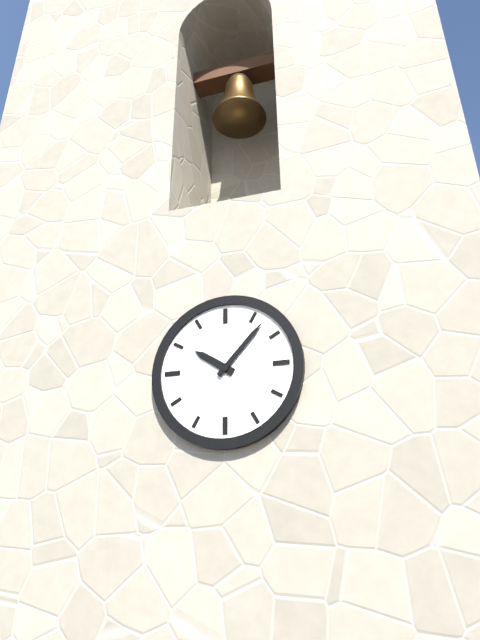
10:07
